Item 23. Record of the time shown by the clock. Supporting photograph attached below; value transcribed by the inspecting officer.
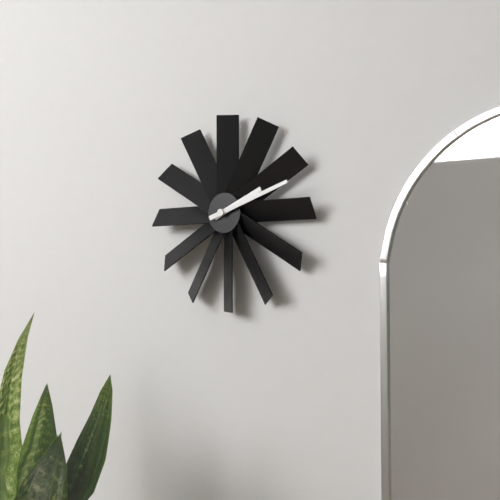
2:12
